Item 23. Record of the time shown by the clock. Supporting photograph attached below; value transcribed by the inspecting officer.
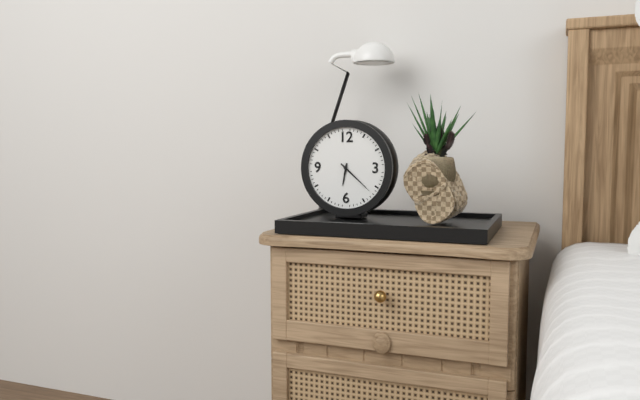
6:22
